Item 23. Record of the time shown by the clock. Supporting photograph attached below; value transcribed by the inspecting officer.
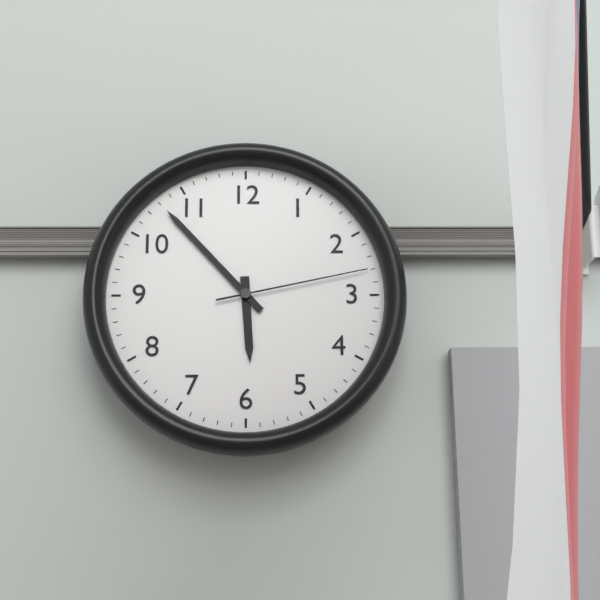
5:53:13
